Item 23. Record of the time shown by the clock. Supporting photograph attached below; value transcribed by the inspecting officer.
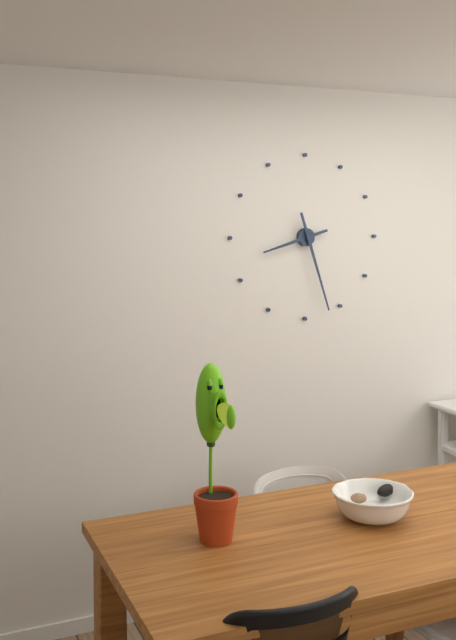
8:27
